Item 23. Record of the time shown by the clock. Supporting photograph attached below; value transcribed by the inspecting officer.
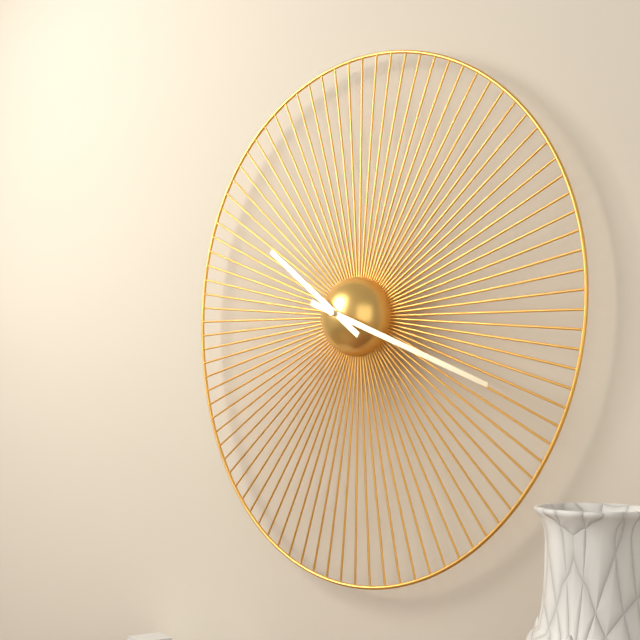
10:19
